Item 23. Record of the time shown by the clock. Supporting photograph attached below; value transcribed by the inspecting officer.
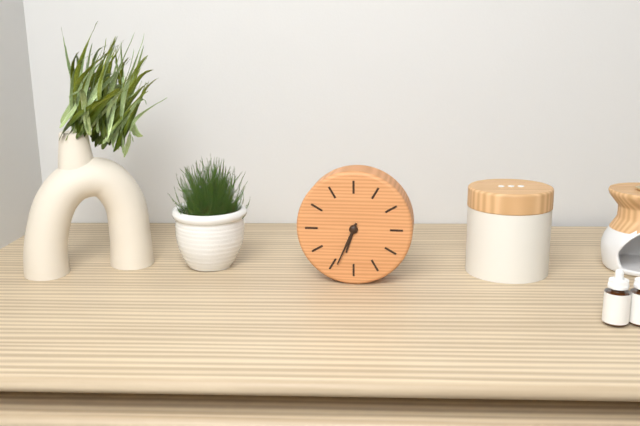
6:34
